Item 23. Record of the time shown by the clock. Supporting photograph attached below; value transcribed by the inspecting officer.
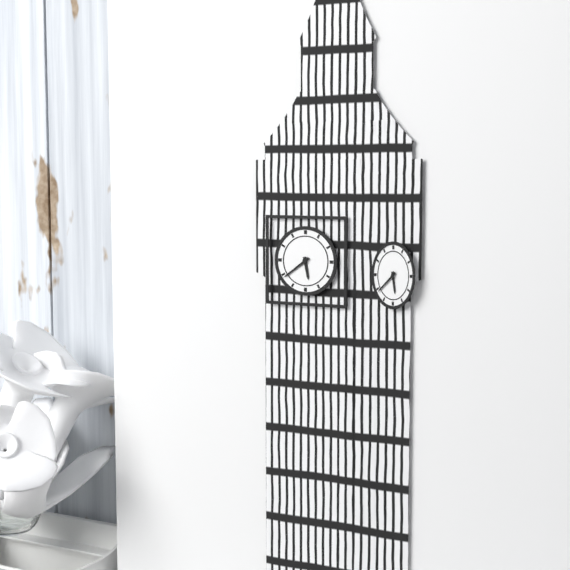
5:39
